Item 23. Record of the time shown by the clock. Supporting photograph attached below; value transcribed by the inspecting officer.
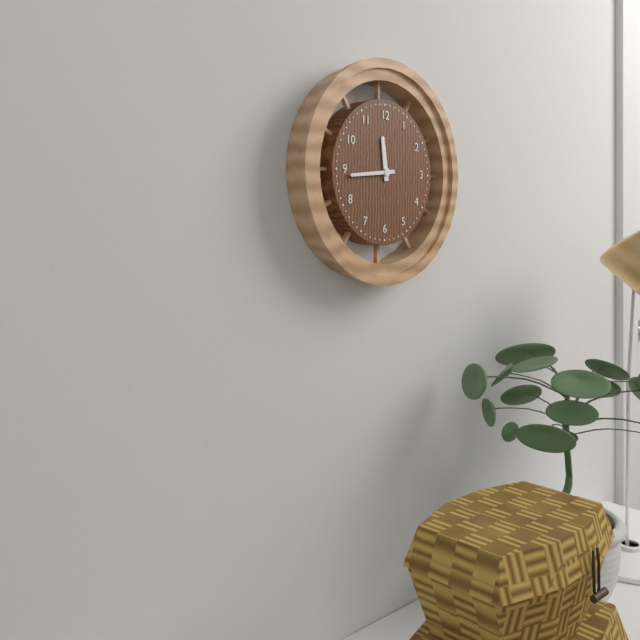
11:44
